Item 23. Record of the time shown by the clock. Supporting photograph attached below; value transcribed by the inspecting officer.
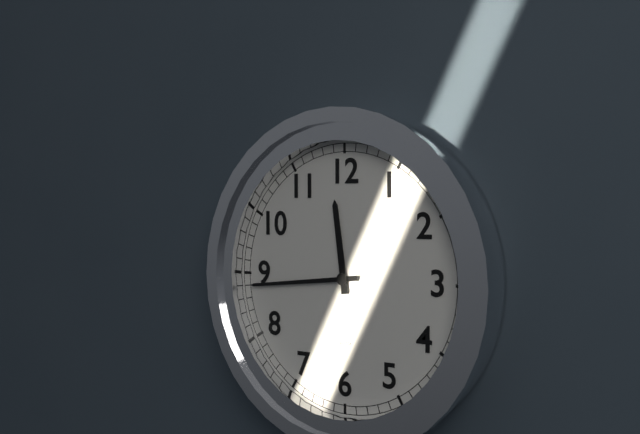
11:44
